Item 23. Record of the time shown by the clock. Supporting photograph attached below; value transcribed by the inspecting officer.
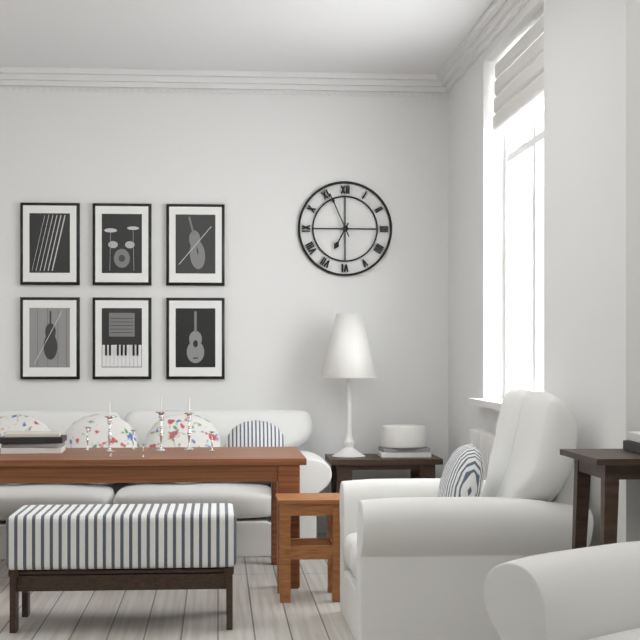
6:56
